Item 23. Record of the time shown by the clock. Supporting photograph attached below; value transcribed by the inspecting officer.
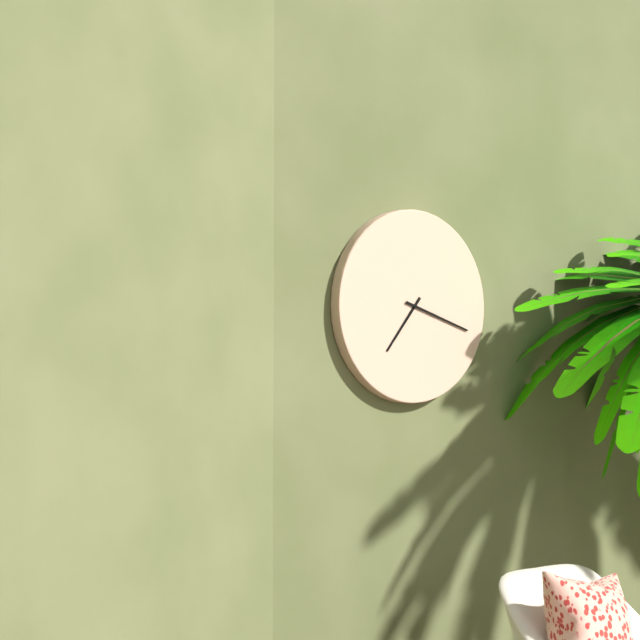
7:18
